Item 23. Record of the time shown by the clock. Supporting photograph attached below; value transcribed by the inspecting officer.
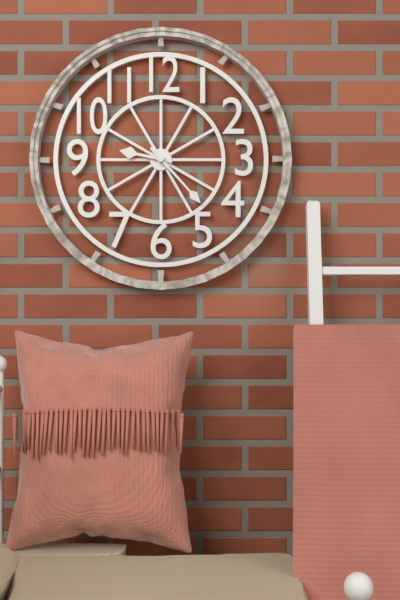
9:23
